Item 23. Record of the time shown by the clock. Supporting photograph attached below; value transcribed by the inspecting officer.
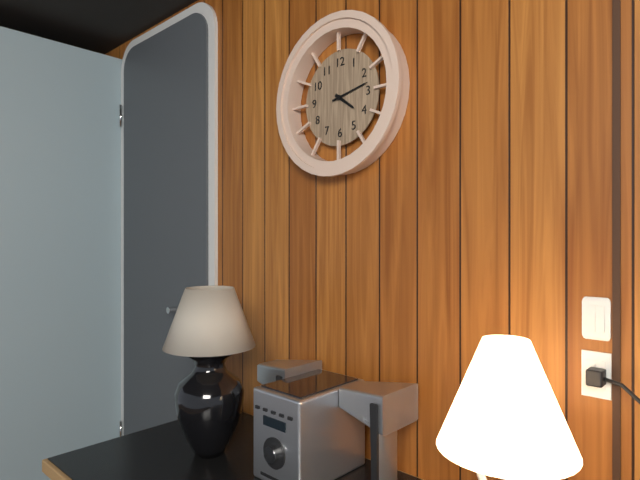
4:13
